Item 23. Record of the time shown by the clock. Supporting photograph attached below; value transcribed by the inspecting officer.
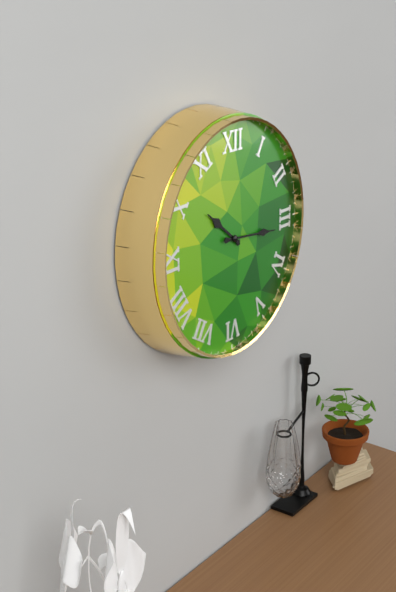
10:16
